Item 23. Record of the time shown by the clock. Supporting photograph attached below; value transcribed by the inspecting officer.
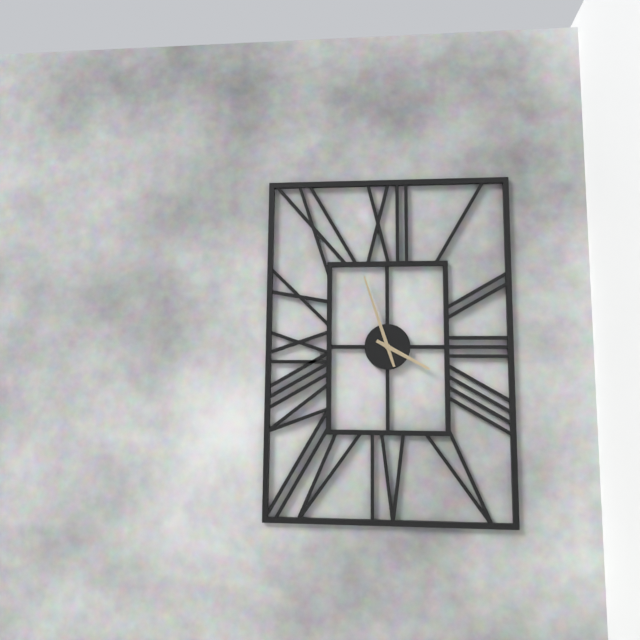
3:57
